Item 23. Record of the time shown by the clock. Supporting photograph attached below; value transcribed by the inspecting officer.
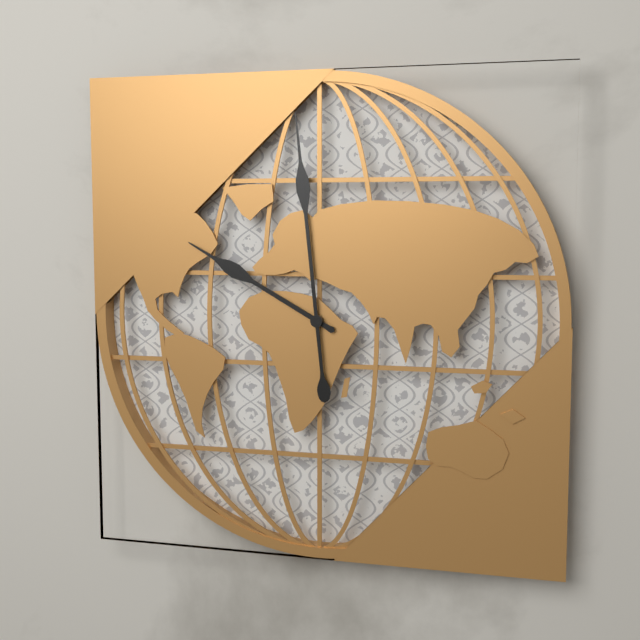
9:59
